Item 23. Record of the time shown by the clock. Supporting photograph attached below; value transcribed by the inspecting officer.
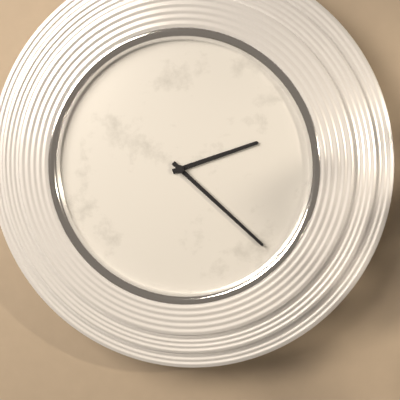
2:22
